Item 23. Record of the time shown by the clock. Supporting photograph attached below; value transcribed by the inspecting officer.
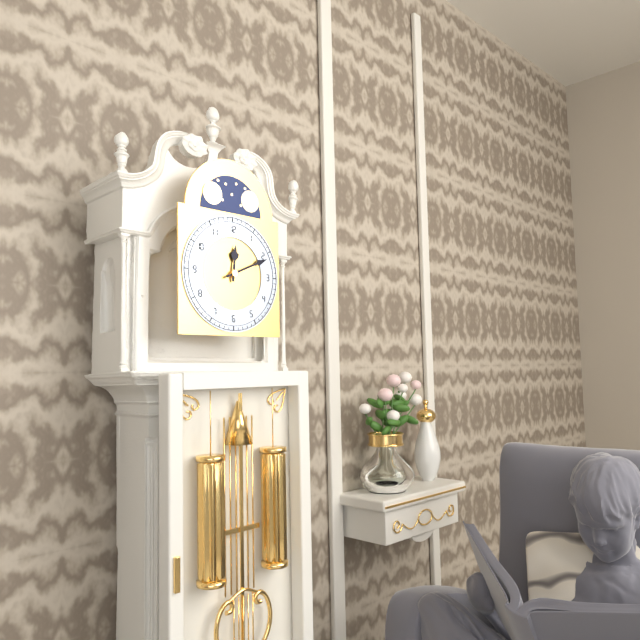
12:11
